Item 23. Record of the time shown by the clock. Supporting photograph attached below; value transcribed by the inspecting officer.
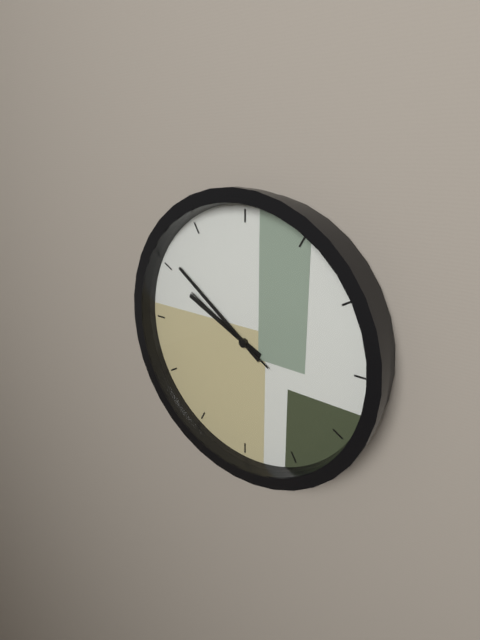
9:51:50
